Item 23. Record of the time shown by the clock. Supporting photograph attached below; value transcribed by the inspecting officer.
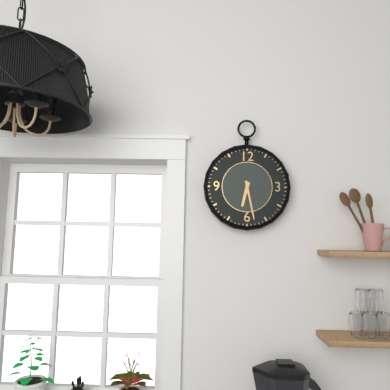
6:28
